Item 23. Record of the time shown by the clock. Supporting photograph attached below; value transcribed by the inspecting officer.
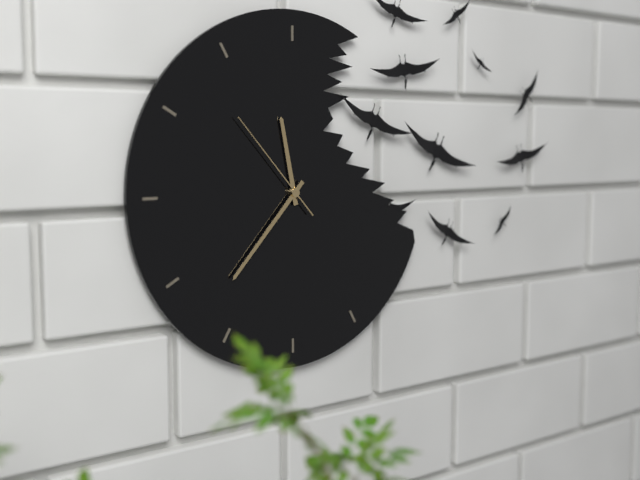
11:37:53
